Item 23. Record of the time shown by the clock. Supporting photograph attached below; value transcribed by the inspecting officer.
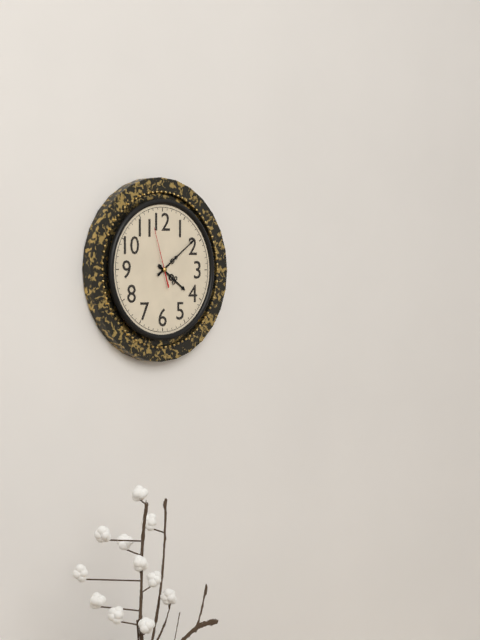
4:09:57
